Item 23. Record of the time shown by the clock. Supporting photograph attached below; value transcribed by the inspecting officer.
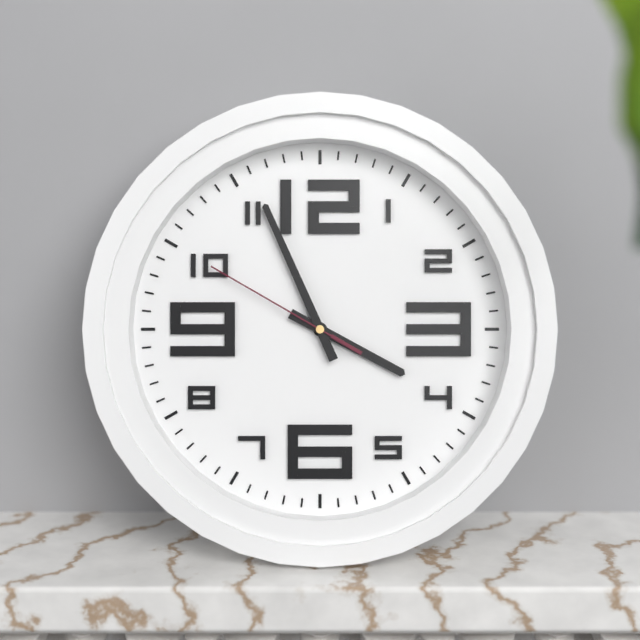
3:56:50
